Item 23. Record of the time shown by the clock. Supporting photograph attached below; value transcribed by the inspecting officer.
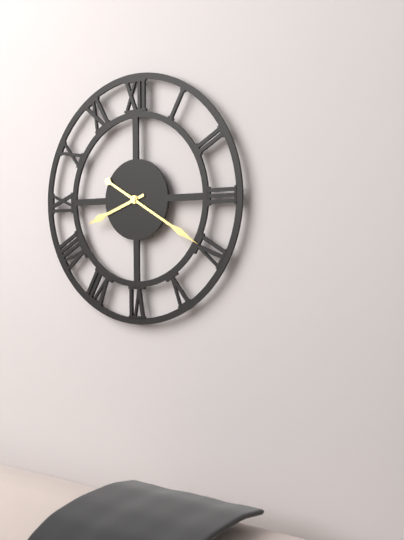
8:20
